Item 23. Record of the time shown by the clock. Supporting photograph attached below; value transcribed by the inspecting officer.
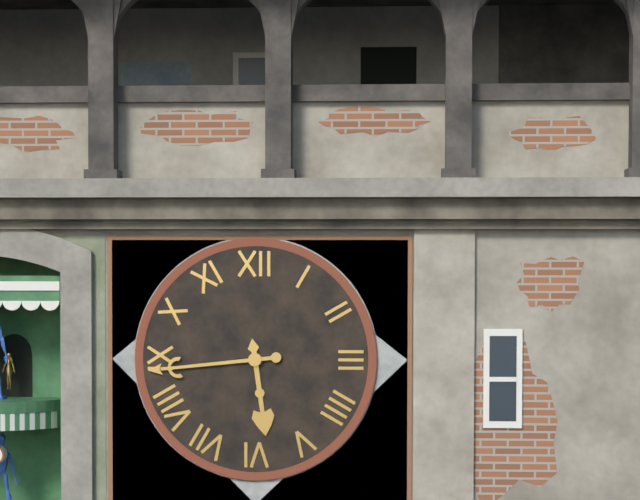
5:44
